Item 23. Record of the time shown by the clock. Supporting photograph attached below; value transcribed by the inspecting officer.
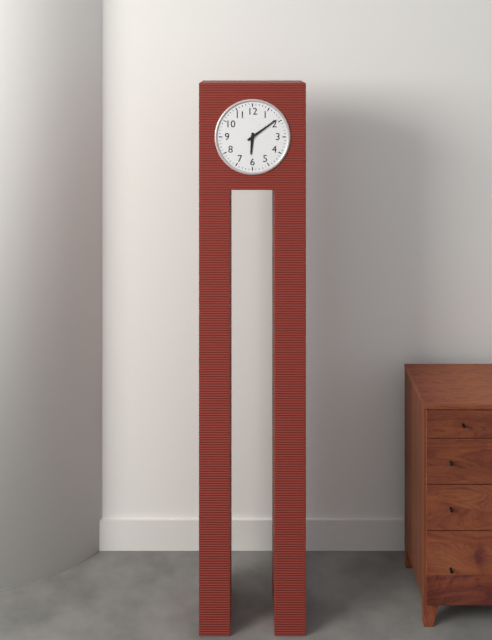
6:09
